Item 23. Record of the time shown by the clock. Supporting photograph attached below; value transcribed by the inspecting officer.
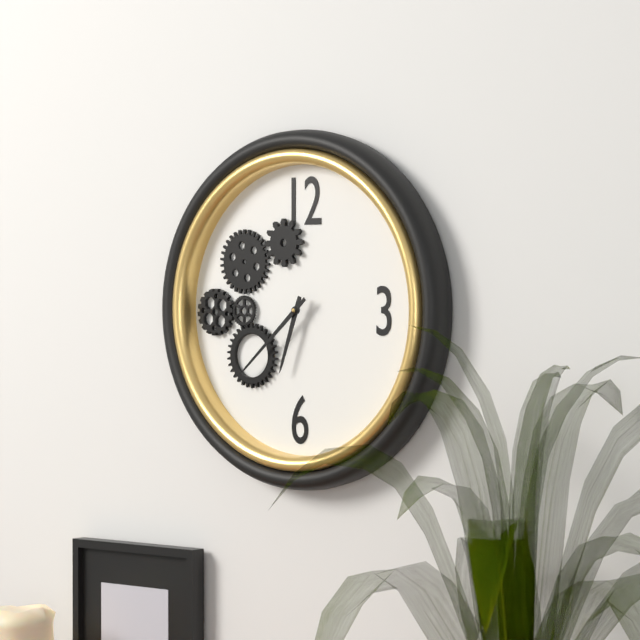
6:38
